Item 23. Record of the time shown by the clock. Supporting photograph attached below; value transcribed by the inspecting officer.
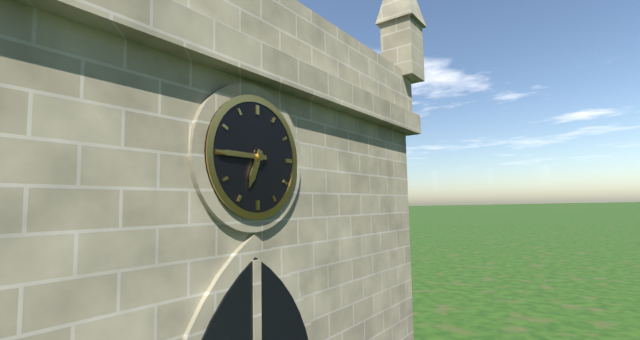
6:45
